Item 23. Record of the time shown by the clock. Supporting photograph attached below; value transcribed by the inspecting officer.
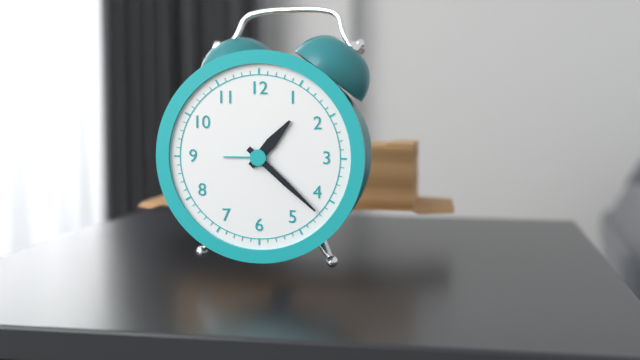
1:22
